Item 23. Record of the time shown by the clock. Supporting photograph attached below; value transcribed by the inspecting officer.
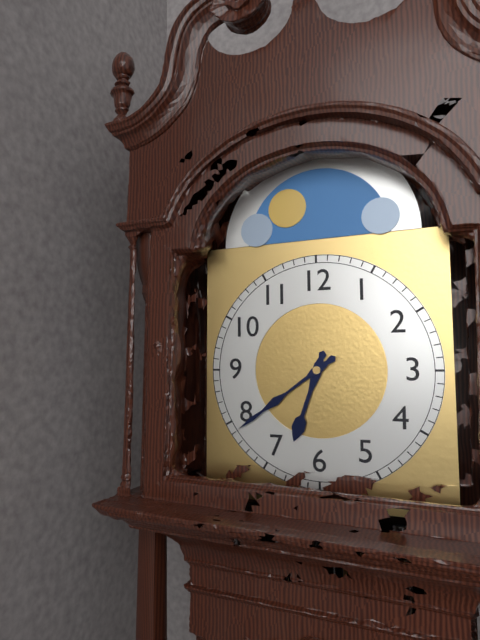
6:39
